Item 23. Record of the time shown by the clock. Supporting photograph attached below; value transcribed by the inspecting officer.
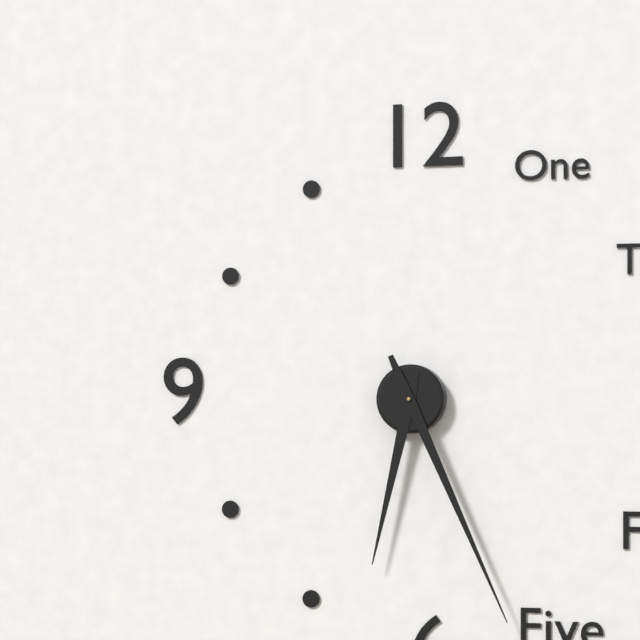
6:26
